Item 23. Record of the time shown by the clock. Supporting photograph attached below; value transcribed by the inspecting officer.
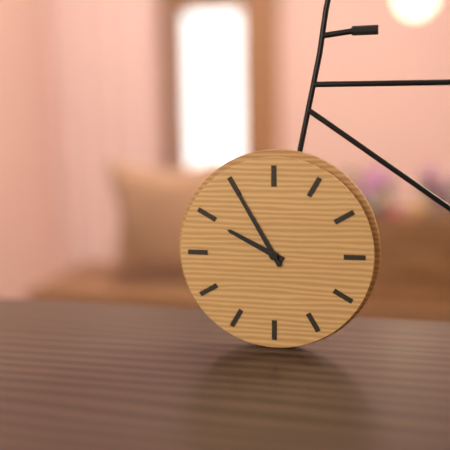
9:55
